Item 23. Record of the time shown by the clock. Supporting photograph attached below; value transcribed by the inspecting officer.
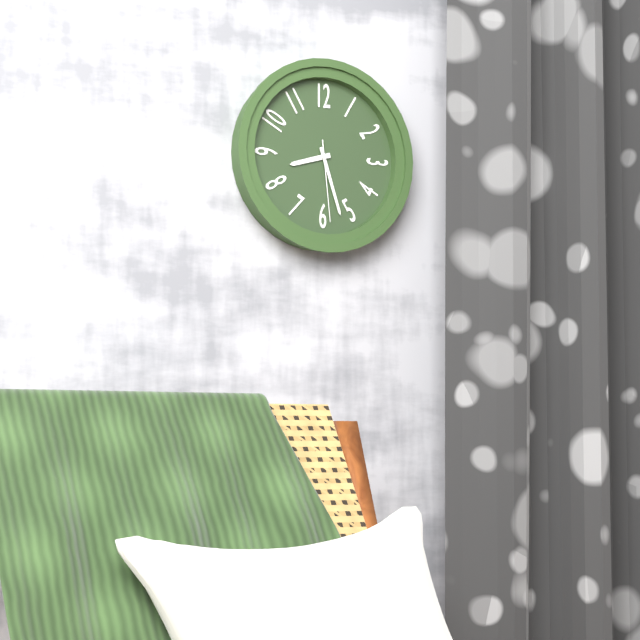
8:27:29
